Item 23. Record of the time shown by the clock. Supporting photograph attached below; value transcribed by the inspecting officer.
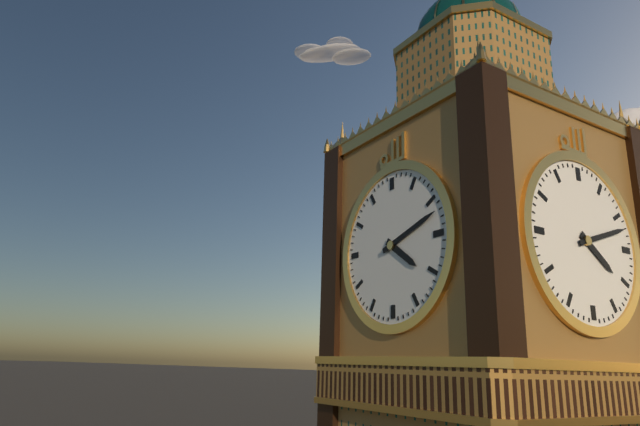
4:12
